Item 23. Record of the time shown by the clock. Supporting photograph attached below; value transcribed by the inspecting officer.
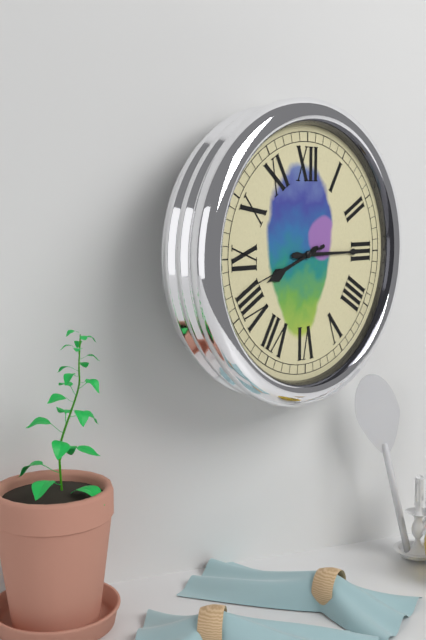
8:15:42
